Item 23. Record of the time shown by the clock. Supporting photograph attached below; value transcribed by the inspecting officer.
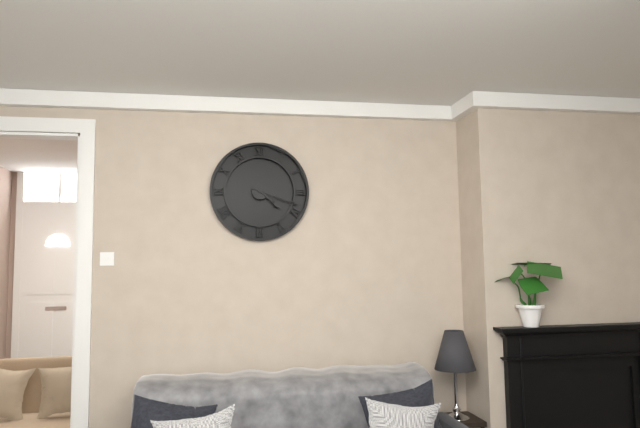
4:18
